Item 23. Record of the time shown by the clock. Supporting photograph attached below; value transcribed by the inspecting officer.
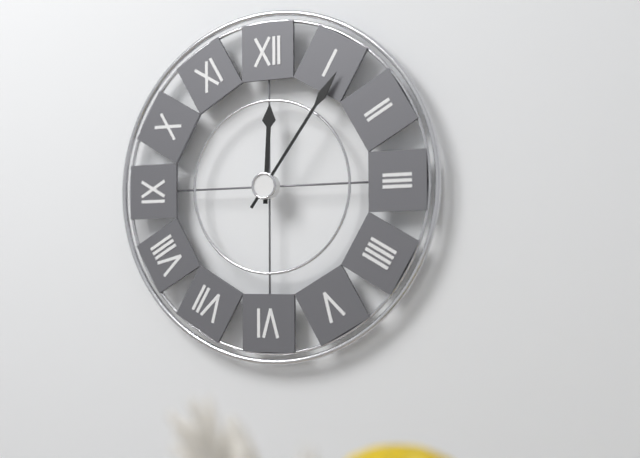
12:06
